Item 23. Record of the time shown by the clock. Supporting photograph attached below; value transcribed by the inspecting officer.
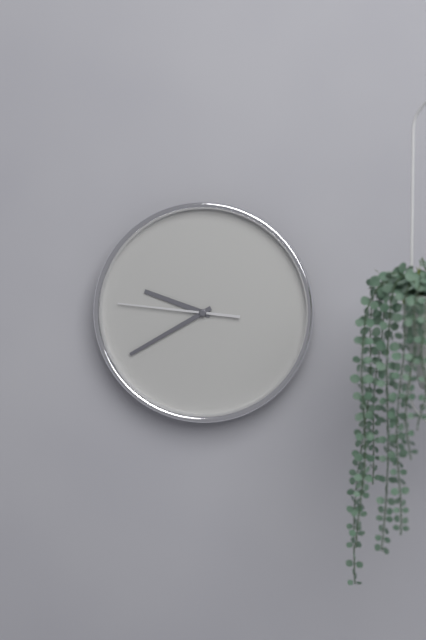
9:40:46
